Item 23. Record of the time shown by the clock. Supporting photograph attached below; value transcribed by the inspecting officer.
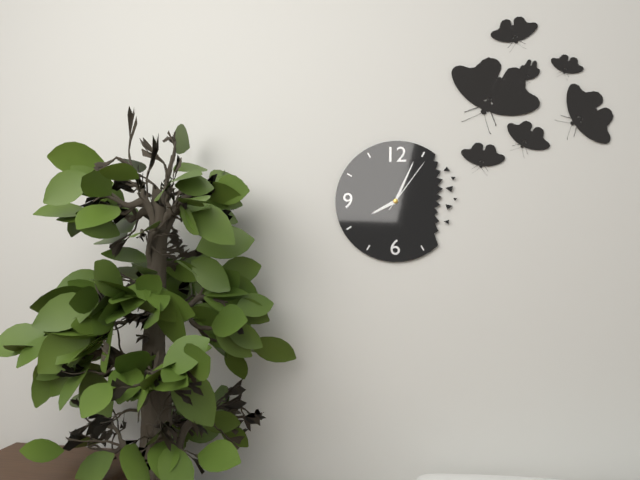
8:04:06
